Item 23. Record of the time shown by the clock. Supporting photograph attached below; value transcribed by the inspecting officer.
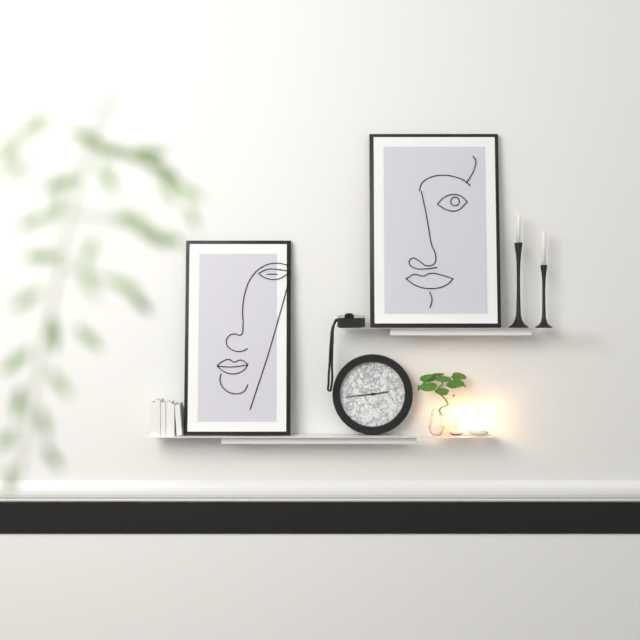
2:44
